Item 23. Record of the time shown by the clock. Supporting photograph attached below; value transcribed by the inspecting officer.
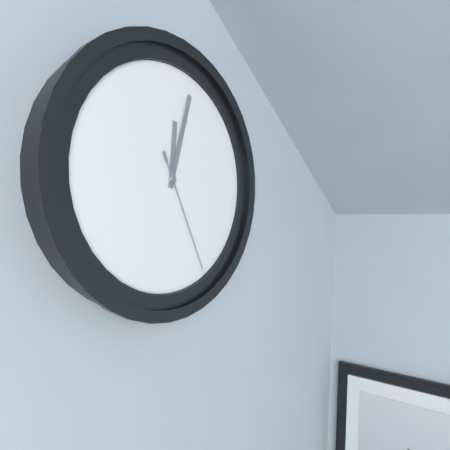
12:02:25
